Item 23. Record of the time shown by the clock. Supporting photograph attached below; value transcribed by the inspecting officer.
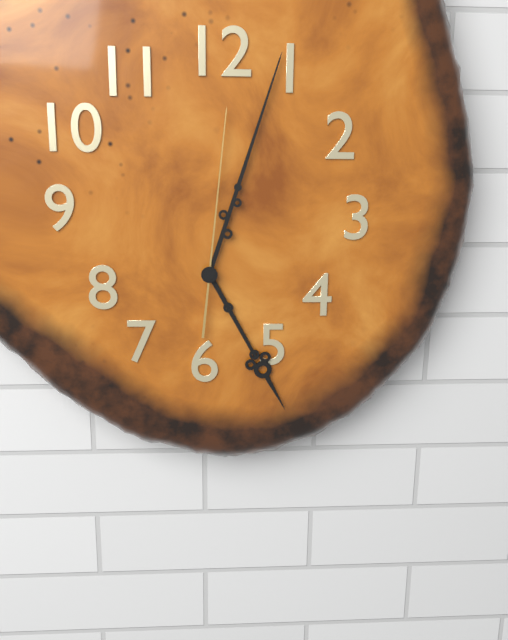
5:03:01
